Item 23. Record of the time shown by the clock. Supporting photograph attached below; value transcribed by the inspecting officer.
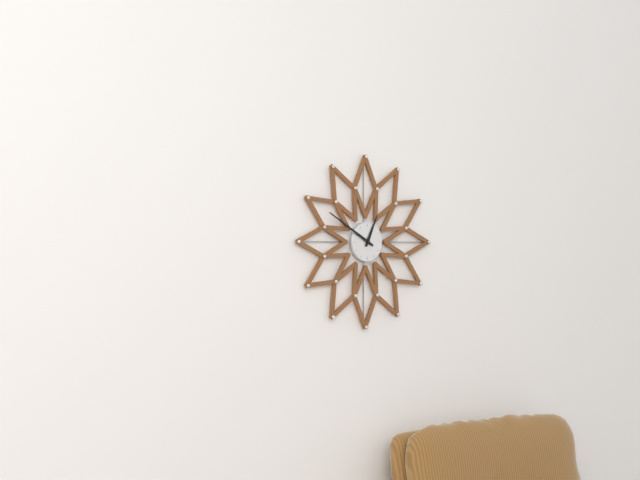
12:50
